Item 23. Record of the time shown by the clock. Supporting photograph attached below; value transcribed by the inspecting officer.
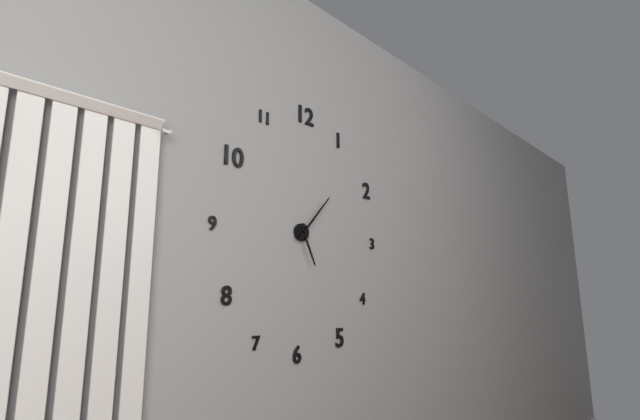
5:07
